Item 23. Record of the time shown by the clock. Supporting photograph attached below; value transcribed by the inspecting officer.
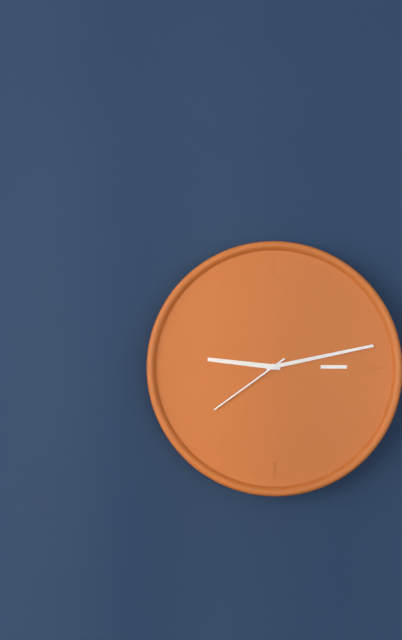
9:13:39
